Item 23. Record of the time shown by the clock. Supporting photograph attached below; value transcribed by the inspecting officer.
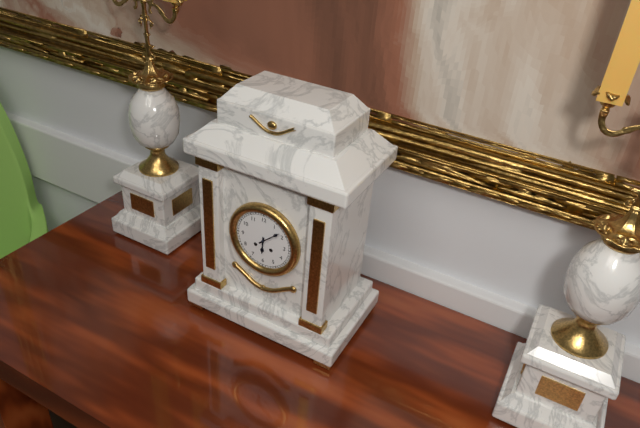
6:08
